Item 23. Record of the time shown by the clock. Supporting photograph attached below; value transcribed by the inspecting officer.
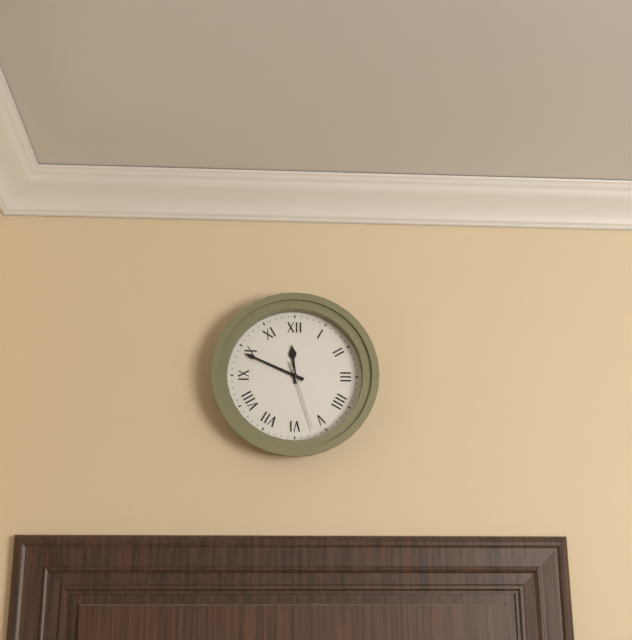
11:49:27
